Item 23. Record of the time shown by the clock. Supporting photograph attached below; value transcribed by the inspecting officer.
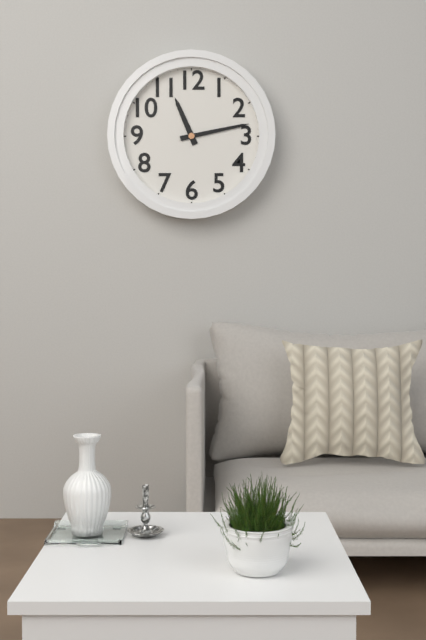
11:13
